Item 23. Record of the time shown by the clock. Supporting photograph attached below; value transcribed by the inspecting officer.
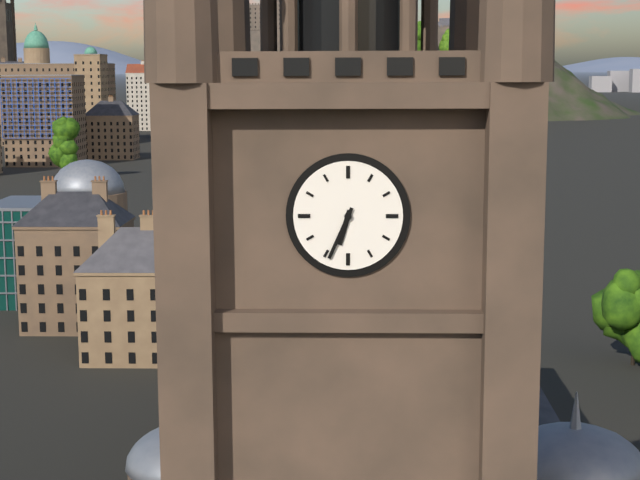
6:34
